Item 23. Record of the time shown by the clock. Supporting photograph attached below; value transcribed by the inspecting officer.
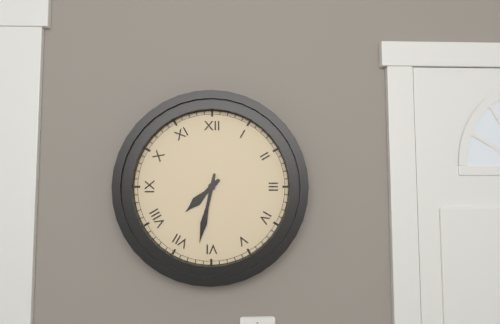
7:32
